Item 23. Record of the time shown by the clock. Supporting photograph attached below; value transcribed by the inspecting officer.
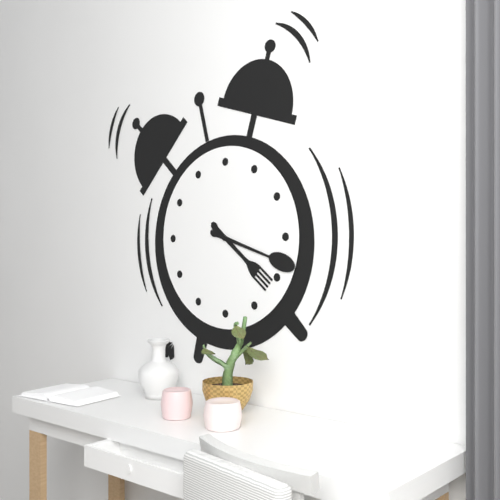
4:18
